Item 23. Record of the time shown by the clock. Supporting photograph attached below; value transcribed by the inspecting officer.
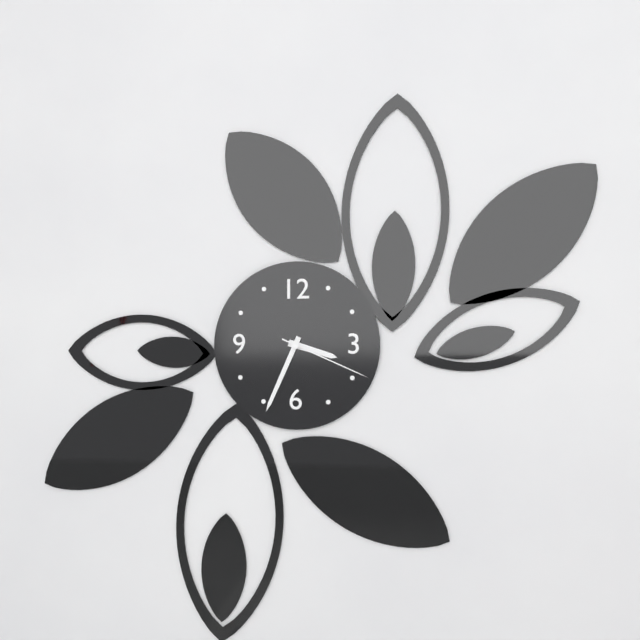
3:34:19
